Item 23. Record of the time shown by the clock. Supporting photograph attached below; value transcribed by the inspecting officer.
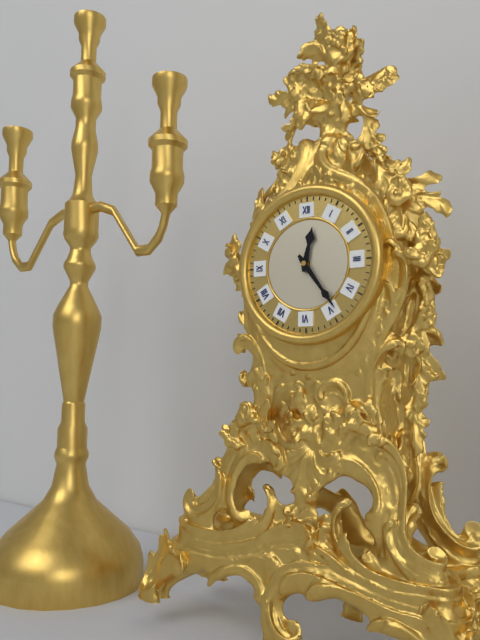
12:24
